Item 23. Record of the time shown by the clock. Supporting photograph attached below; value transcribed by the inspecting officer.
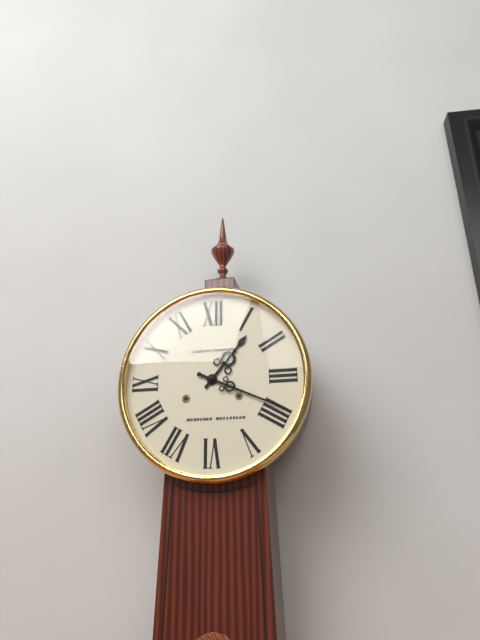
1:19
